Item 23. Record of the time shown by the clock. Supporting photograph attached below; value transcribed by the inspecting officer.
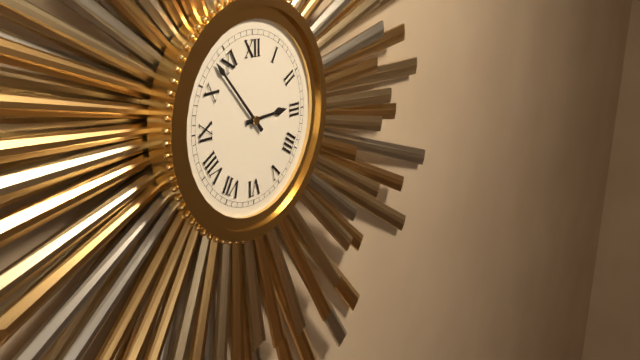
2:53
